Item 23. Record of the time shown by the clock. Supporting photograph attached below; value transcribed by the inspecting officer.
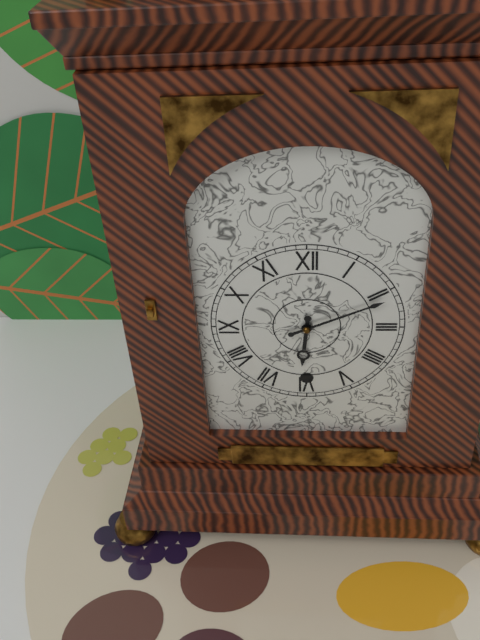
6:11
